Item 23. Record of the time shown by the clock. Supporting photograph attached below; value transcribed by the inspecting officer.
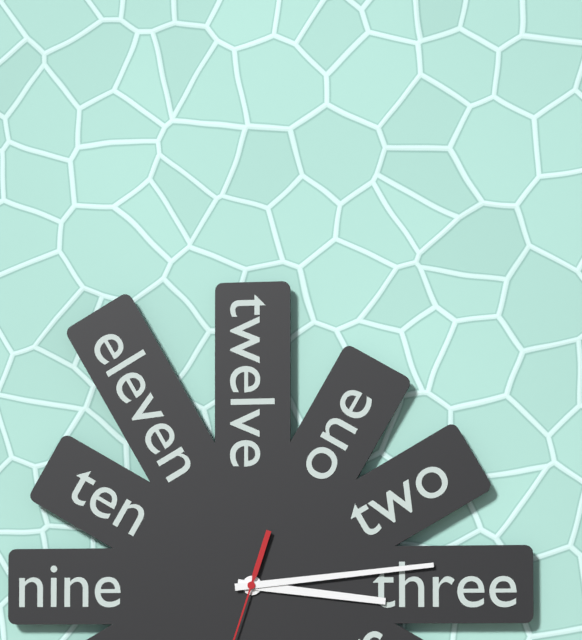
3:14
